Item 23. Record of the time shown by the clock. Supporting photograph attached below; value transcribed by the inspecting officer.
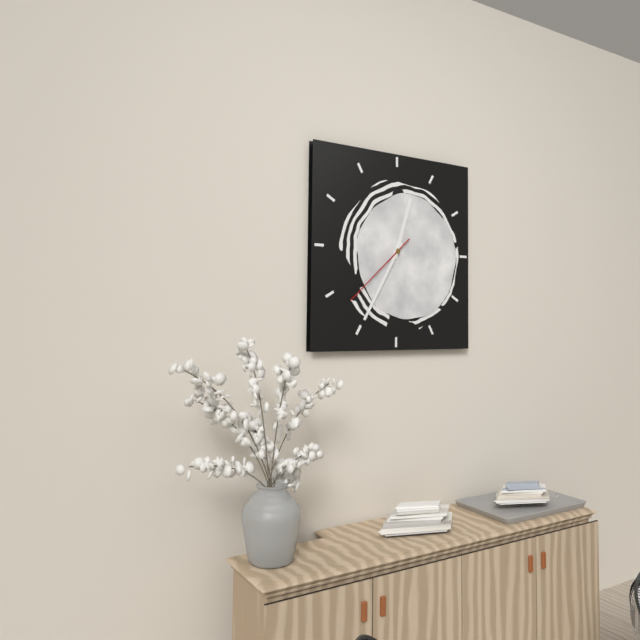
12:35:38
